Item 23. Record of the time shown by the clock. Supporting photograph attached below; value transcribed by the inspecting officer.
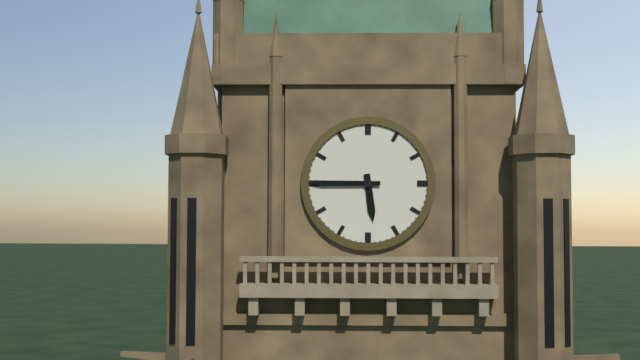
5:45
